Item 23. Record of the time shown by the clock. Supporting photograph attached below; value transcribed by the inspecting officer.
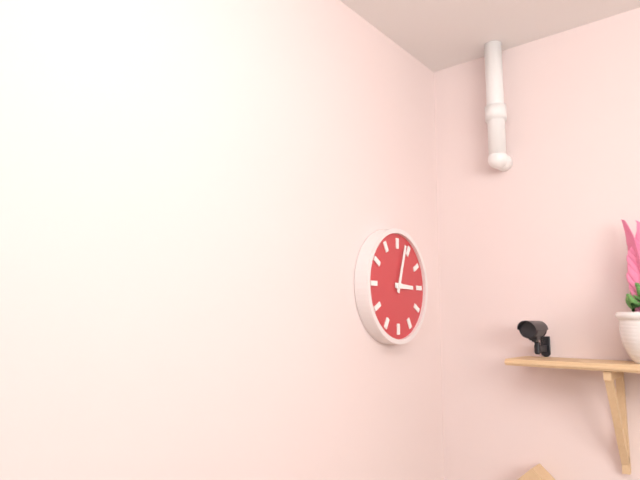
3:03
